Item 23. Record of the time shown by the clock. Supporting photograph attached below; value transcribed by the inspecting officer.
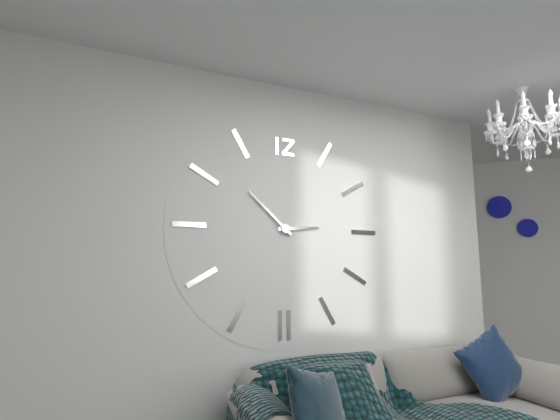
2:52
